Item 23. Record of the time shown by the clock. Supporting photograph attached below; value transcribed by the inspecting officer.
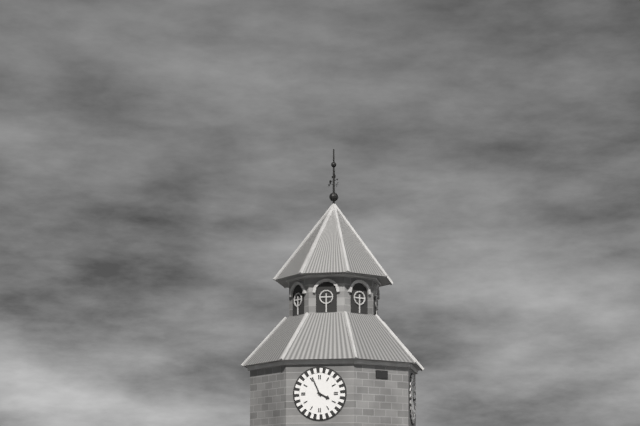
3:56
